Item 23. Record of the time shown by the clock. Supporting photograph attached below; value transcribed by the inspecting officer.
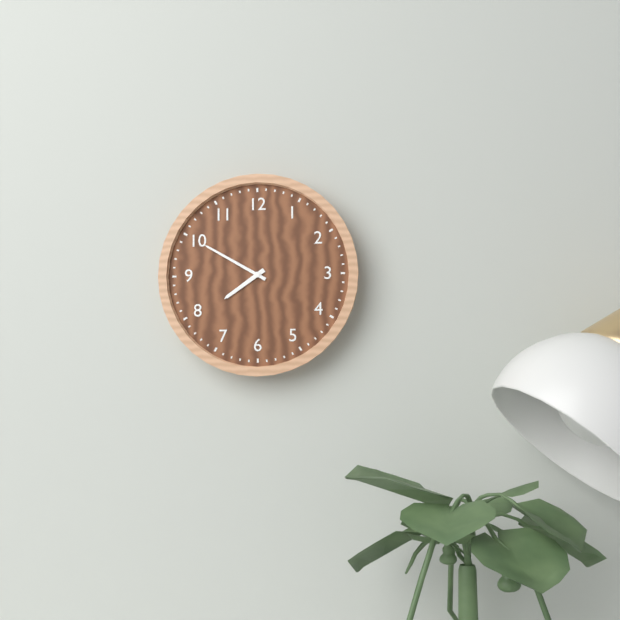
7:50
